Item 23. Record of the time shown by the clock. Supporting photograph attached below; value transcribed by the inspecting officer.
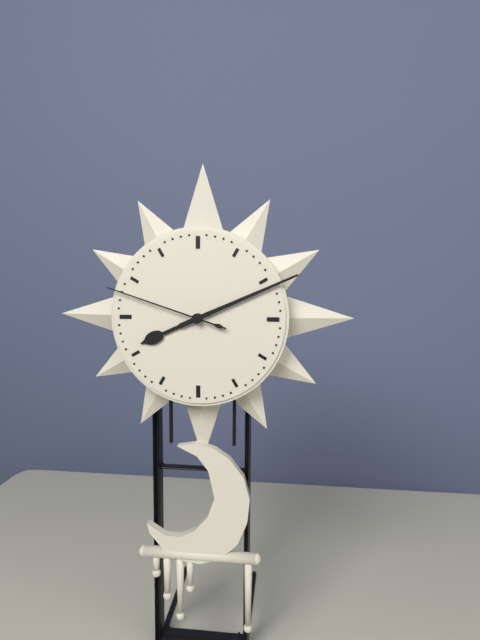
8:11:48
